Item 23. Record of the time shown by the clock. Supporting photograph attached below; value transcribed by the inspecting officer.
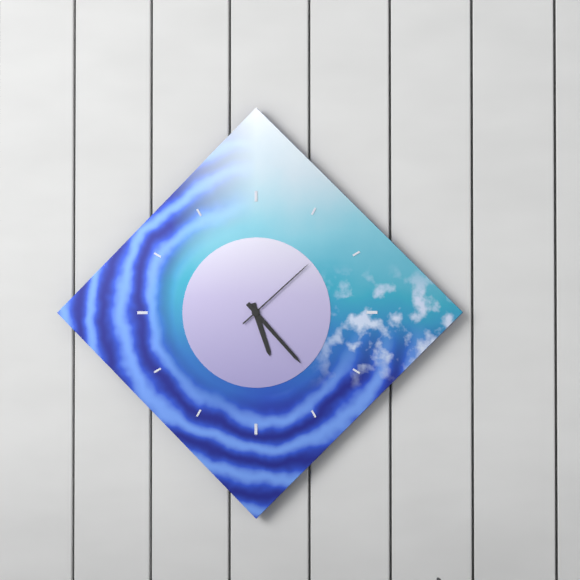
5:23:08
